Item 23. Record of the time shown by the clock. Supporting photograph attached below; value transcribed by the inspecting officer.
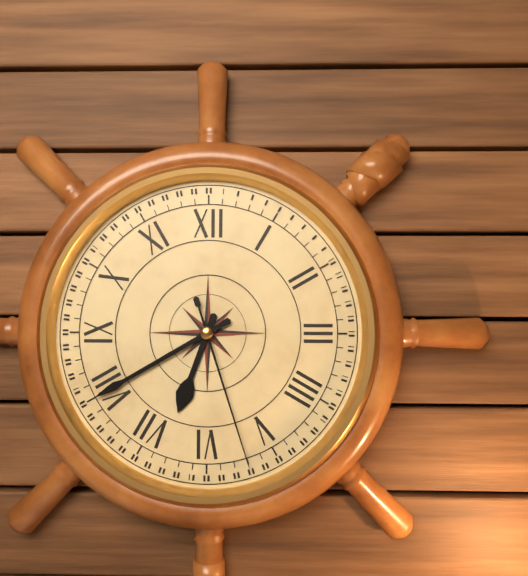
6:40:27
